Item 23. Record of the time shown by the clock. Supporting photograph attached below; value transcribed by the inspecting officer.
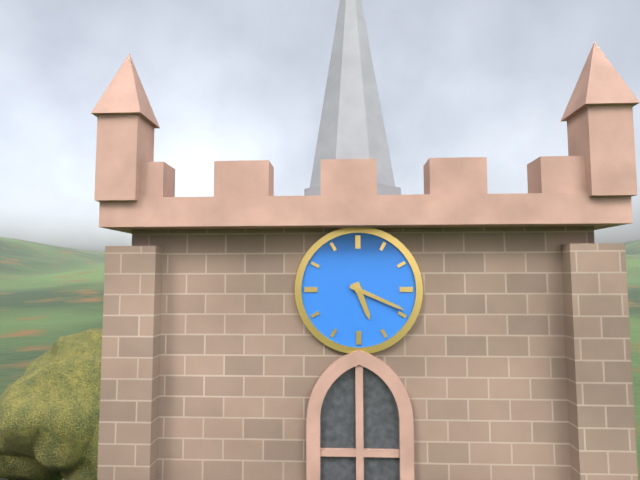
5:19
